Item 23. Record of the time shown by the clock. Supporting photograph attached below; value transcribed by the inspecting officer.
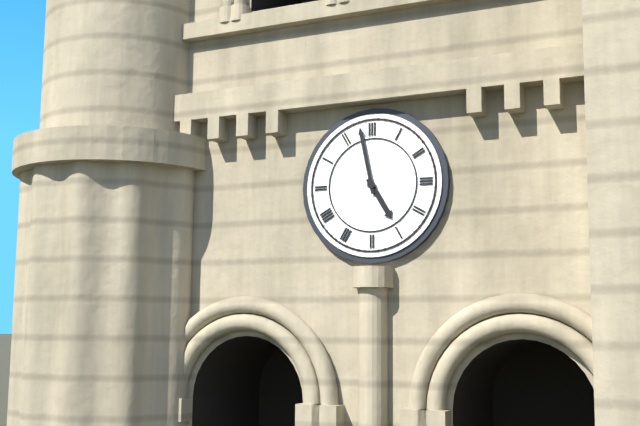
4:58
